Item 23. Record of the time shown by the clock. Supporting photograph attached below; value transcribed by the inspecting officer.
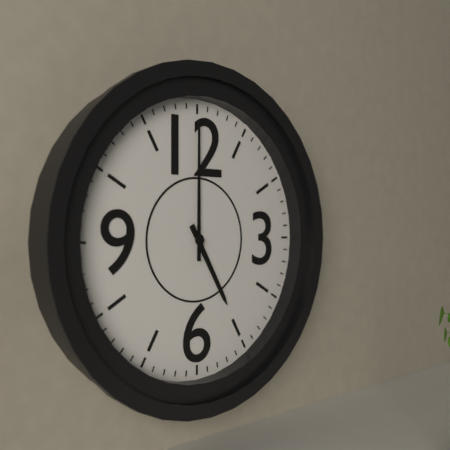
5:00
